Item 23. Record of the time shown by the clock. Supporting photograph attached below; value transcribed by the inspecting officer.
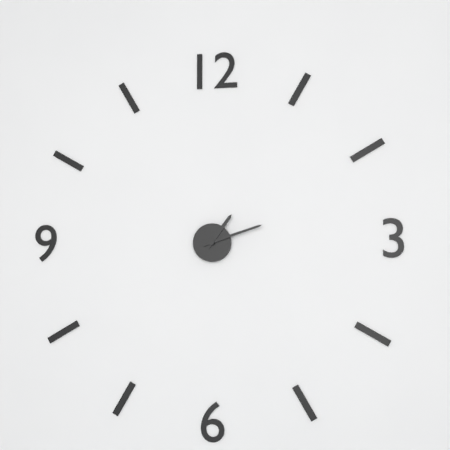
1:12
